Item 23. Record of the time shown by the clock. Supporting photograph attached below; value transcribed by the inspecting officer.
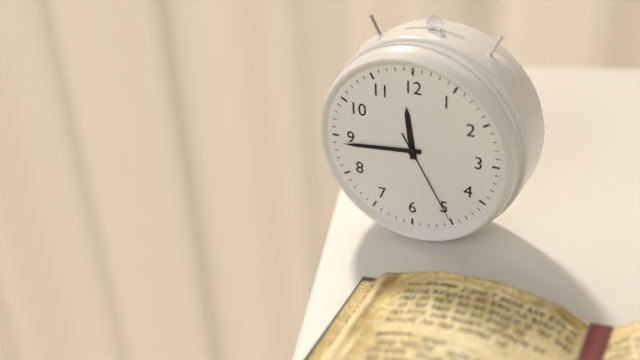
11:44:25
